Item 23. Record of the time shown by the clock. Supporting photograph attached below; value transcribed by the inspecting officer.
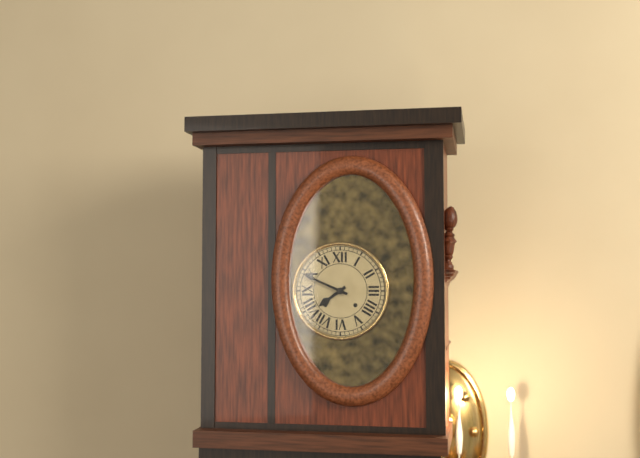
7:49
